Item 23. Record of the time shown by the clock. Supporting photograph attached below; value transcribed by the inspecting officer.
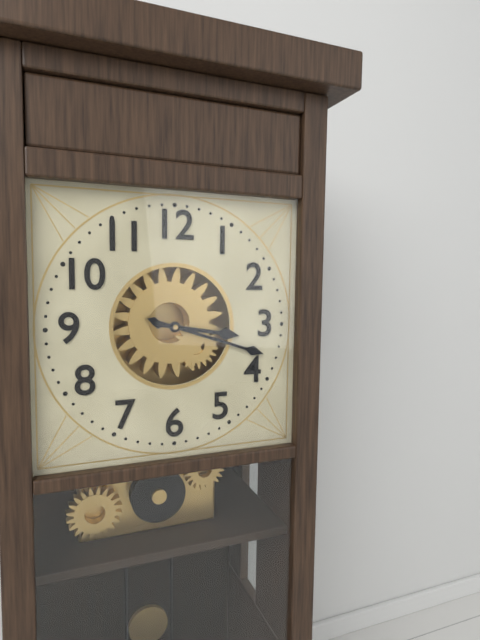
3:18
